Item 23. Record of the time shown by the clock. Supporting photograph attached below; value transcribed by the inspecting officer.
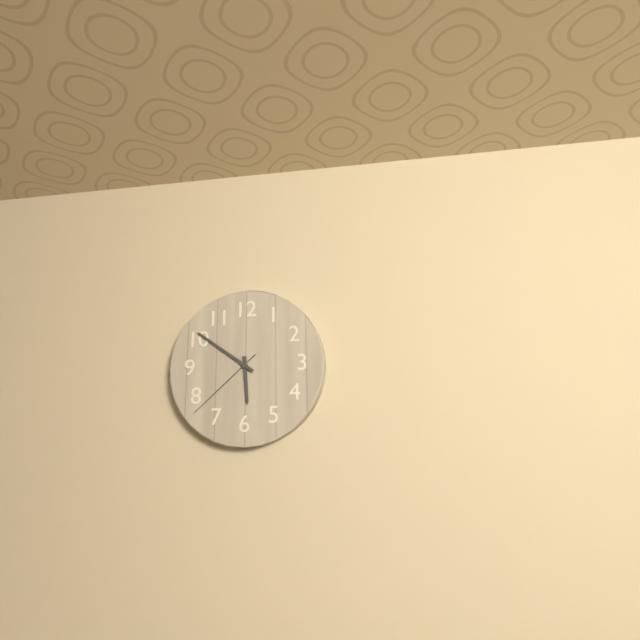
5:51:38
